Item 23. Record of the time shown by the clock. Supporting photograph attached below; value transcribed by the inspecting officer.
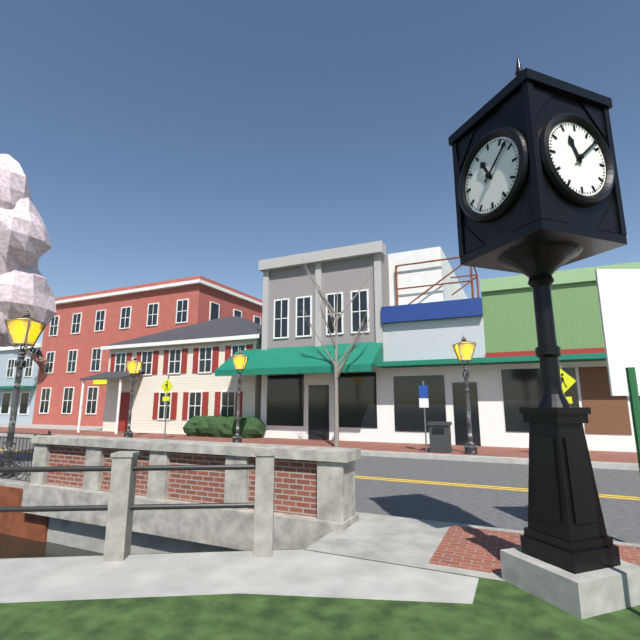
11:08
